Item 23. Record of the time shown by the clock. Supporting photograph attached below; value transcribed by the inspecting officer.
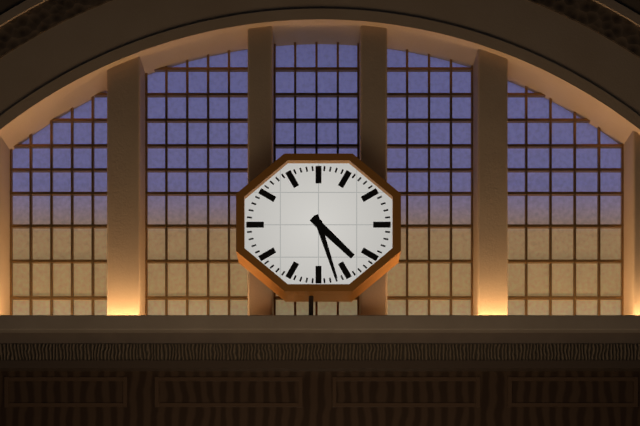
4:27
